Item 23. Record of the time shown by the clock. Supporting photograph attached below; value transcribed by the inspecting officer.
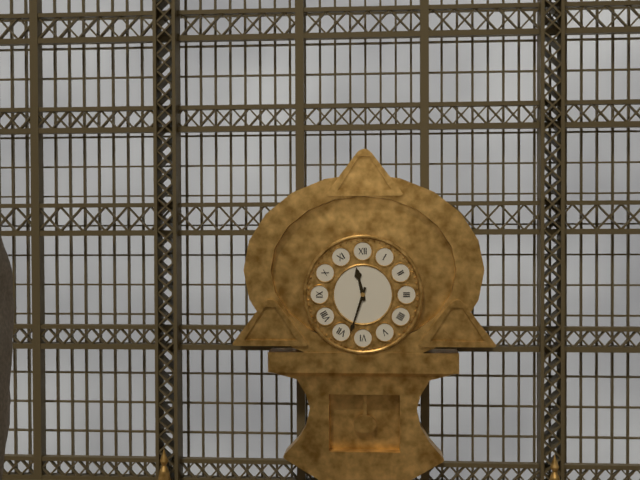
11:33
